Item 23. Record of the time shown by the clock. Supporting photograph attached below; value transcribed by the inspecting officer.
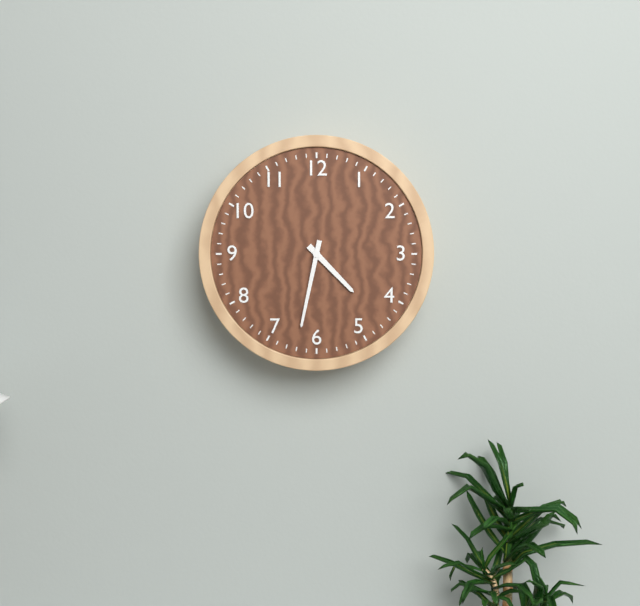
4:32
